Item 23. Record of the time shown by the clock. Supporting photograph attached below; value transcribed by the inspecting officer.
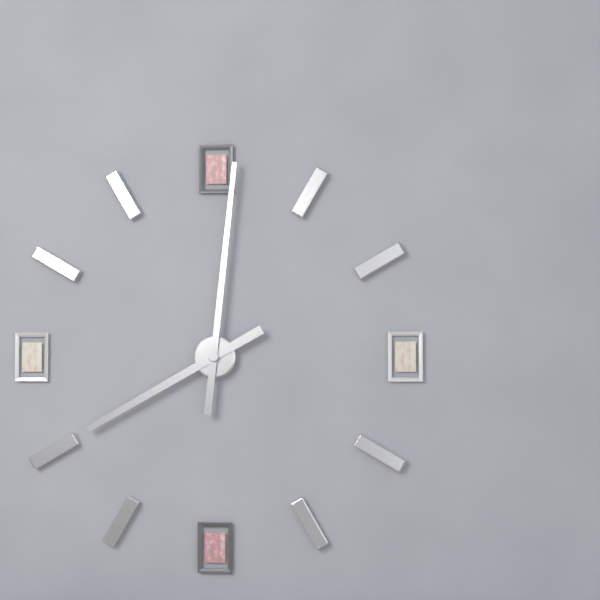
8:01
